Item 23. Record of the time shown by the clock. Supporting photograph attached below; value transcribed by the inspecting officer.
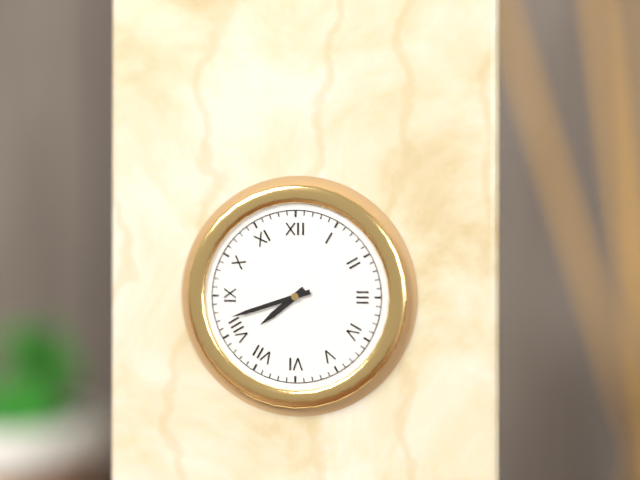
7:42
